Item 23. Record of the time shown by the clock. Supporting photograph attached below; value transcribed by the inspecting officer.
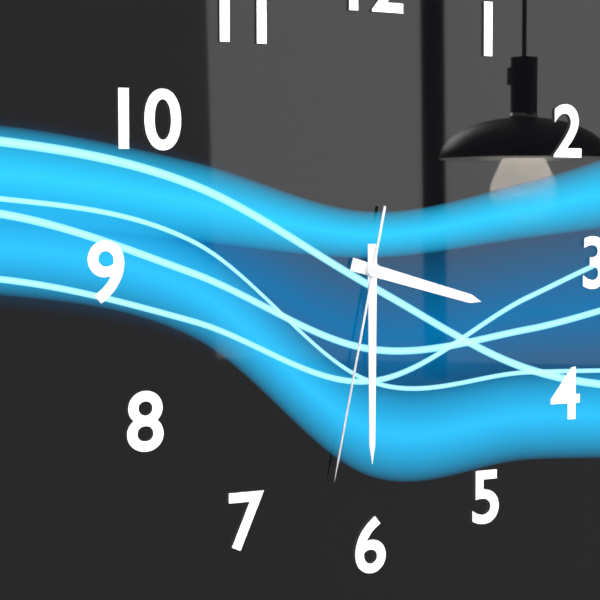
3:30:32
